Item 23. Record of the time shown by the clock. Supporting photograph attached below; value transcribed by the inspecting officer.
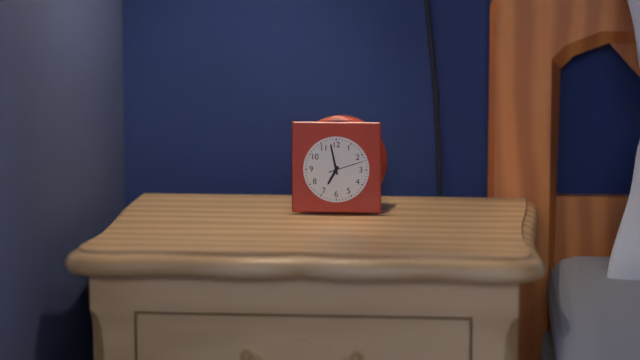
6:58
